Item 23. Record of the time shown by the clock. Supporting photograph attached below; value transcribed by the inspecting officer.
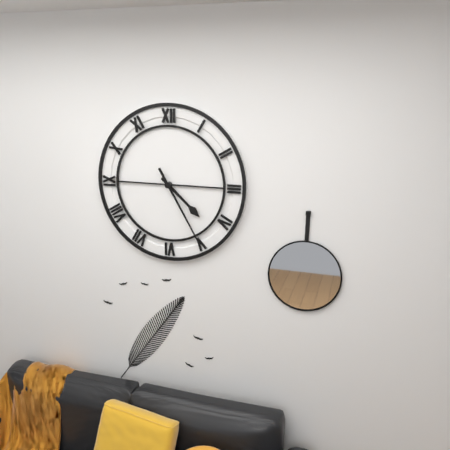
4:25
